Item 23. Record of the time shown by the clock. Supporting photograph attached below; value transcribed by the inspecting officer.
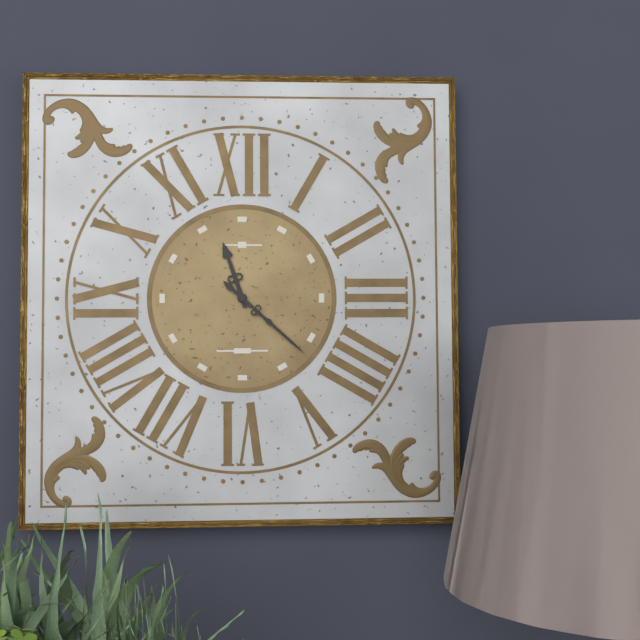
11:22
